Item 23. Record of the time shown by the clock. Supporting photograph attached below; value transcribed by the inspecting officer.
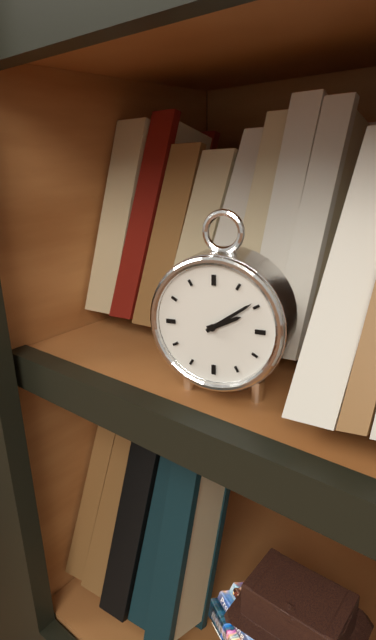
2:09
